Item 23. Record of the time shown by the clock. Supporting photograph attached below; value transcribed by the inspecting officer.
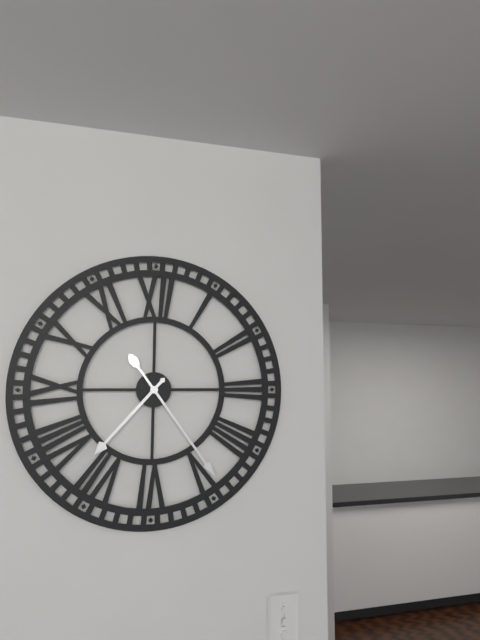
7:24
